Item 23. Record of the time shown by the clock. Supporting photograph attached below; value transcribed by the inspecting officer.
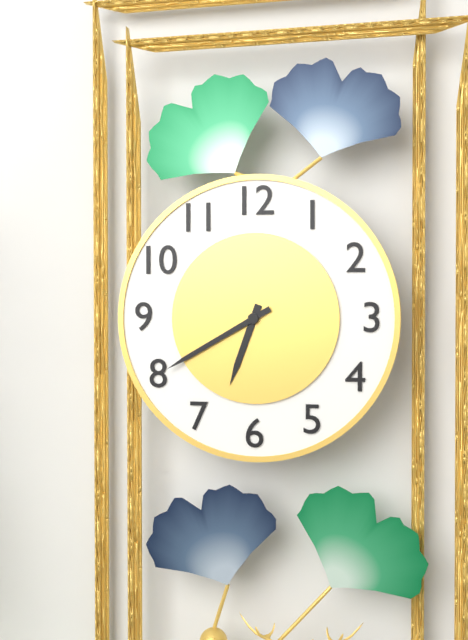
6:40
